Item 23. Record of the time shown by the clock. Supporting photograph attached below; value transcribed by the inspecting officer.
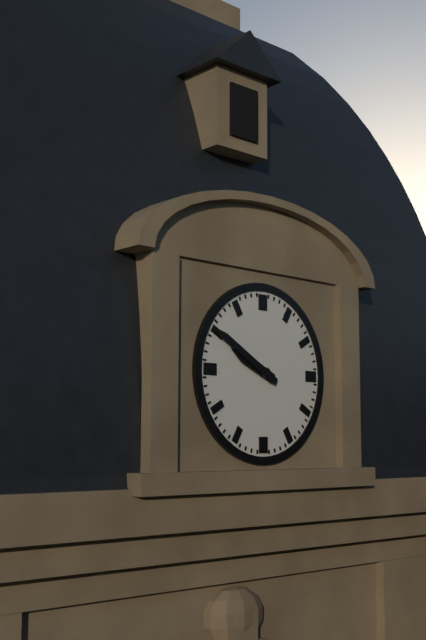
9:50
